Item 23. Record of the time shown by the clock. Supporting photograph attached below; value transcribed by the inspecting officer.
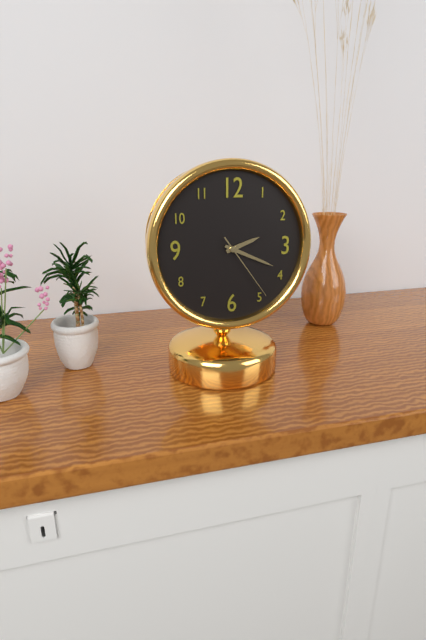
2:19:24
